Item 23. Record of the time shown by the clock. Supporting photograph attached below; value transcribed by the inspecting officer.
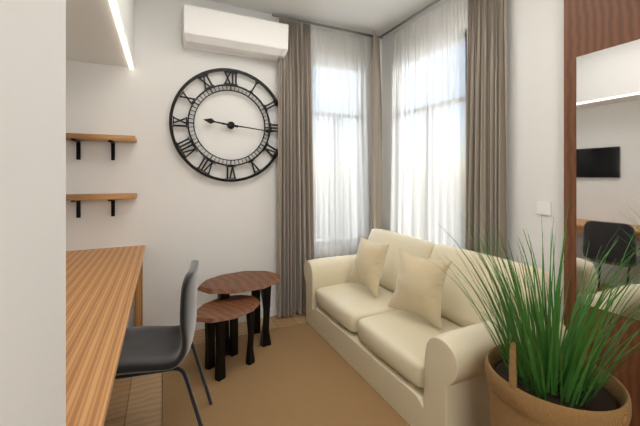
9:16
